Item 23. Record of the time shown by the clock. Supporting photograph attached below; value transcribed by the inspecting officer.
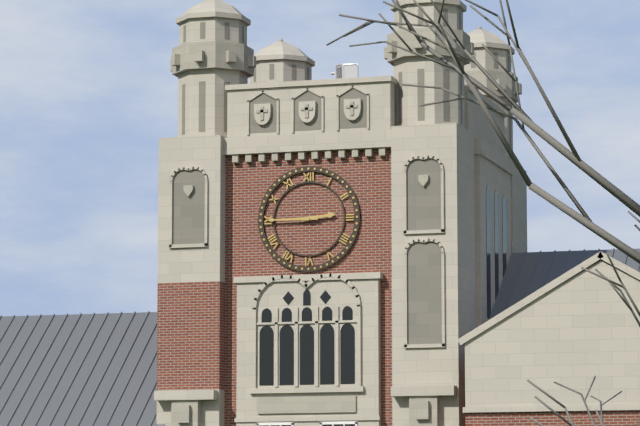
2:45
